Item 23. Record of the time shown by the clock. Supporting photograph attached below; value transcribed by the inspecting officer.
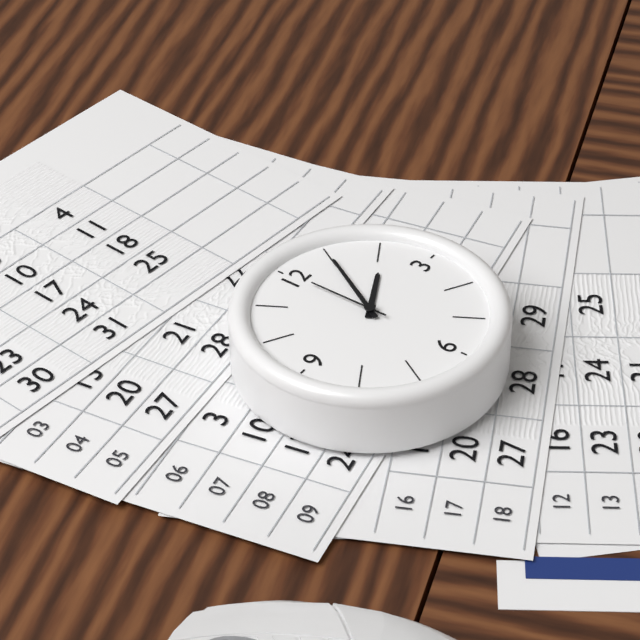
2:05:00
